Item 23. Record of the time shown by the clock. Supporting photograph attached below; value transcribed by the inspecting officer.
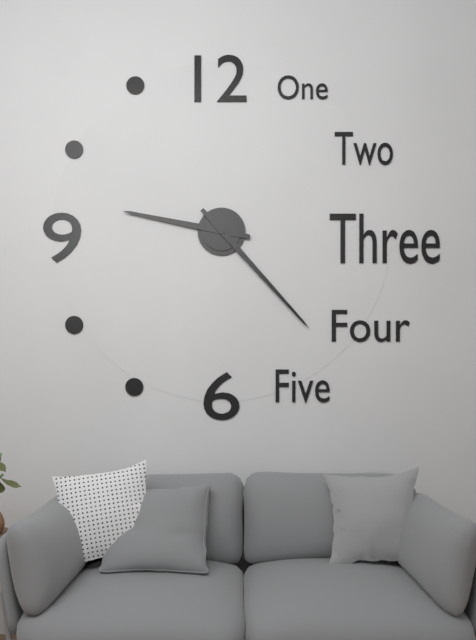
9:23
